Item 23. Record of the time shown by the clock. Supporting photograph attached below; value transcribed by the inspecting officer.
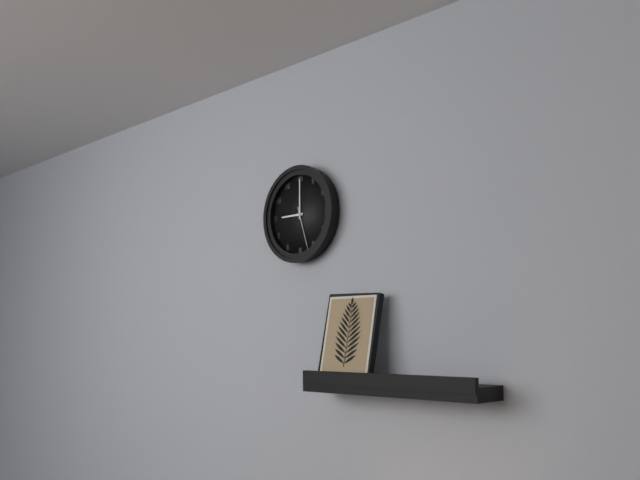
9:00
